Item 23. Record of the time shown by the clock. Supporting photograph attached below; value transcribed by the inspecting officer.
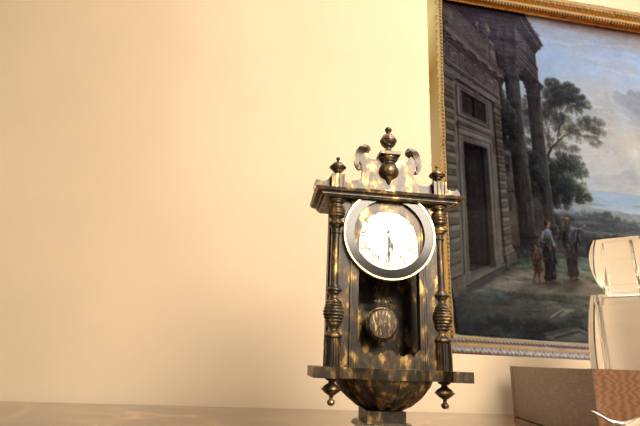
5:30
